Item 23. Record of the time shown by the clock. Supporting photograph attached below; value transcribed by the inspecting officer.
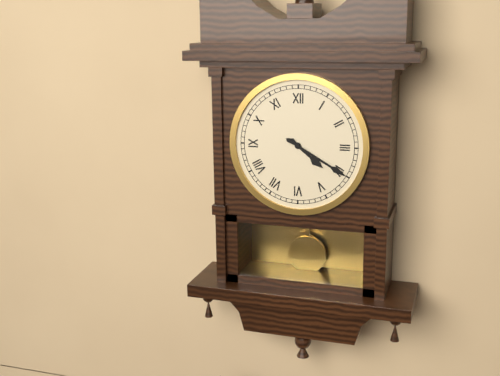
4:20
